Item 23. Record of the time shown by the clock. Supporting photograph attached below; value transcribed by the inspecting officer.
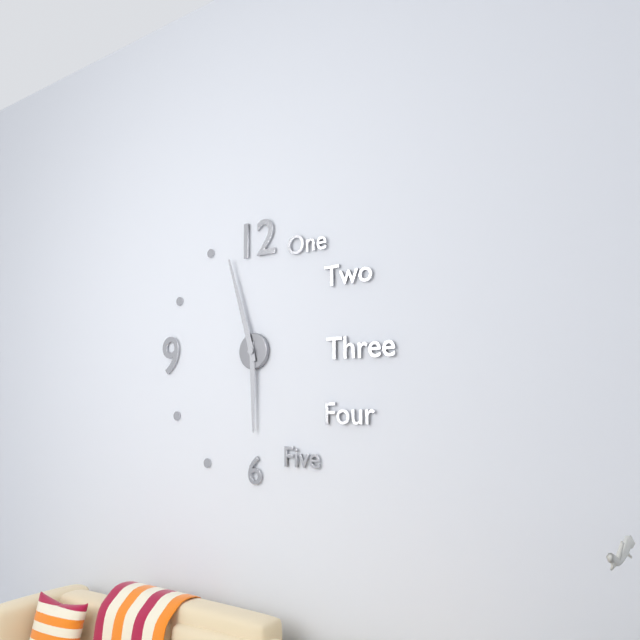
5:57
